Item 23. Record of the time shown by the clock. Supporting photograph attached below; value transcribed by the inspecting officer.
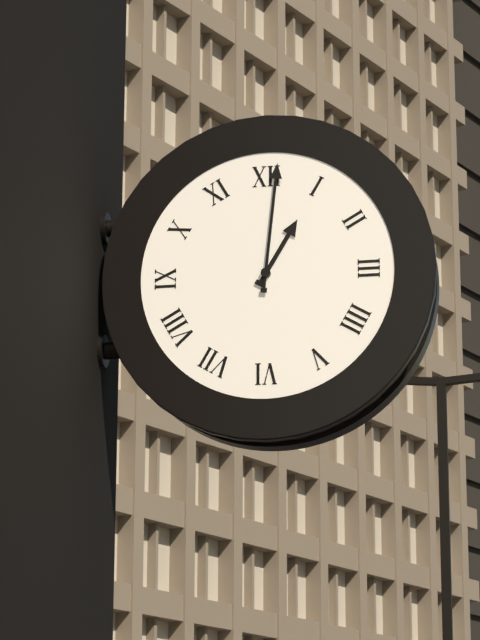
1:01
